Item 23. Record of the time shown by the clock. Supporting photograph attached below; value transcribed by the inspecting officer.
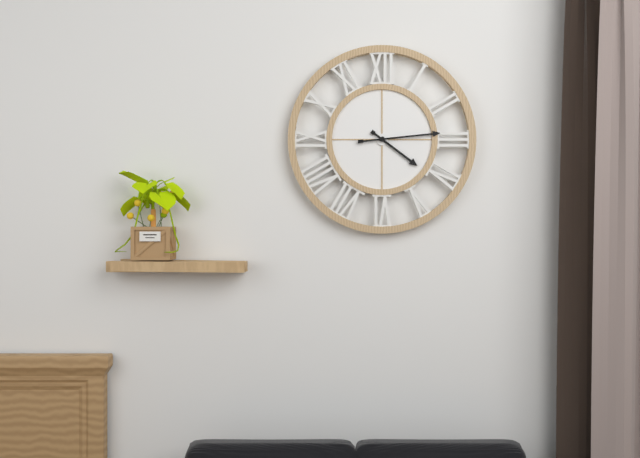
4:14
